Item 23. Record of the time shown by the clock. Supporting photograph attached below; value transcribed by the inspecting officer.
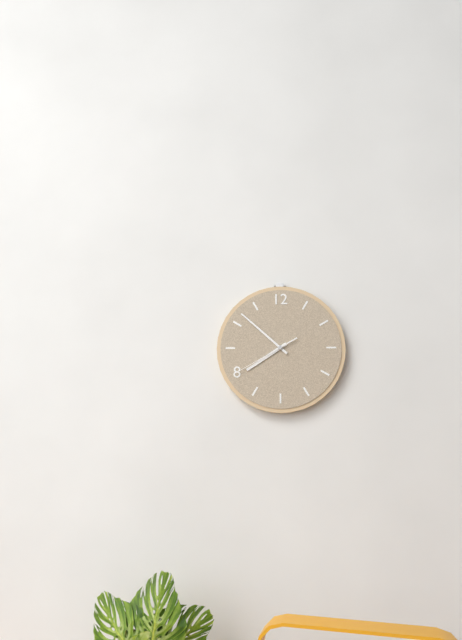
7:52:40
